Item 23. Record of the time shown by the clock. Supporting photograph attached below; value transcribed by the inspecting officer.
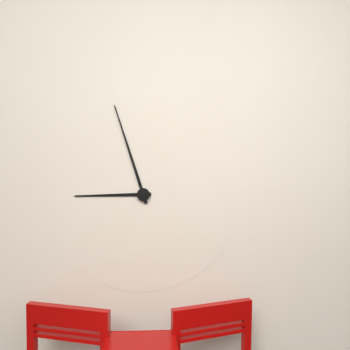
8:57
